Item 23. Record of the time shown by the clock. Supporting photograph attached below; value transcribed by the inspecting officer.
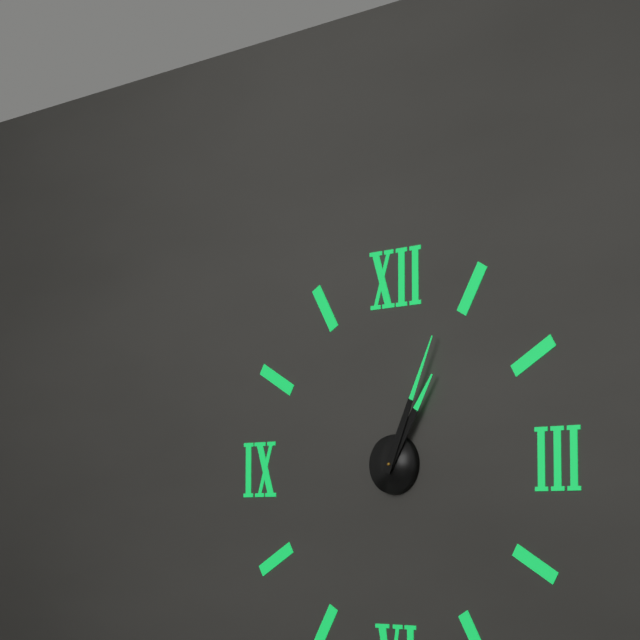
1:04
